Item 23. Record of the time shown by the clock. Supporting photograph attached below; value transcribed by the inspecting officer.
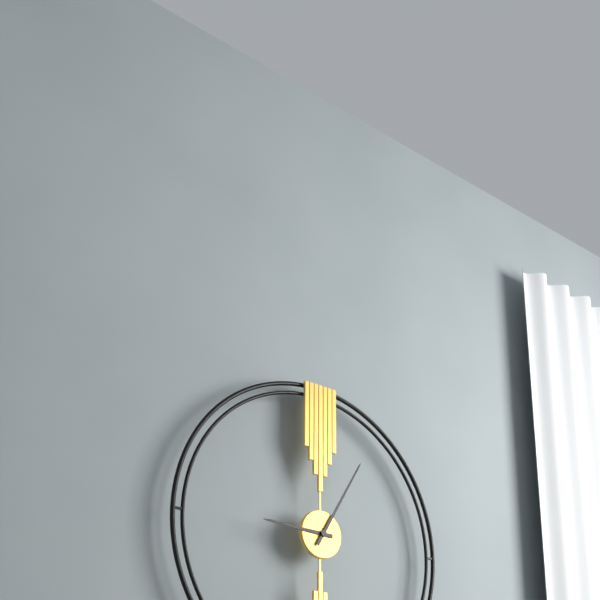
9:05
